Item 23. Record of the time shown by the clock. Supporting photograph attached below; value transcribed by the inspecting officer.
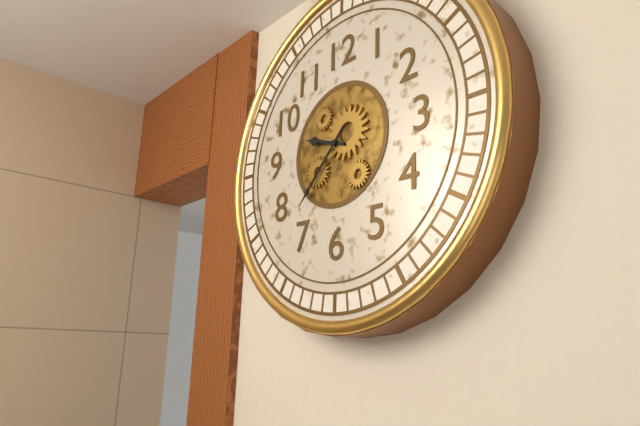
9:37
